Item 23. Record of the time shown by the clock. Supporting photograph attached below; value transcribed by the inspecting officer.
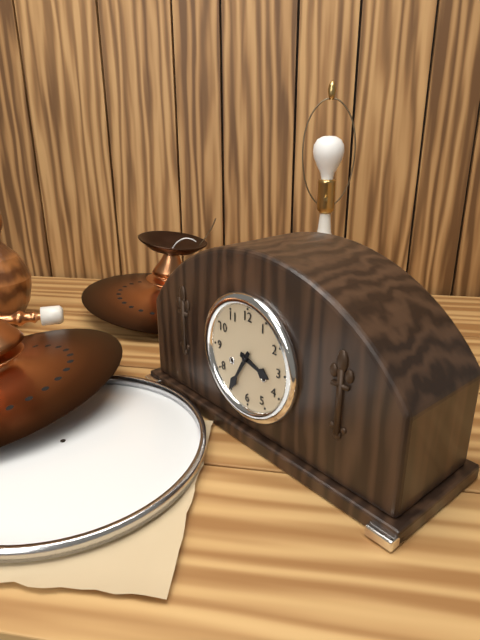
3:35
